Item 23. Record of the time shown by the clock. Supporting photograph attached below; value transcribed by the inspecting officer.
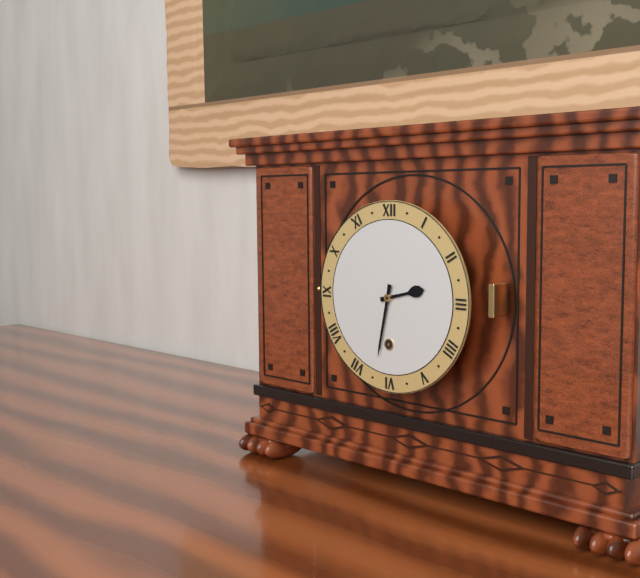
2:32
